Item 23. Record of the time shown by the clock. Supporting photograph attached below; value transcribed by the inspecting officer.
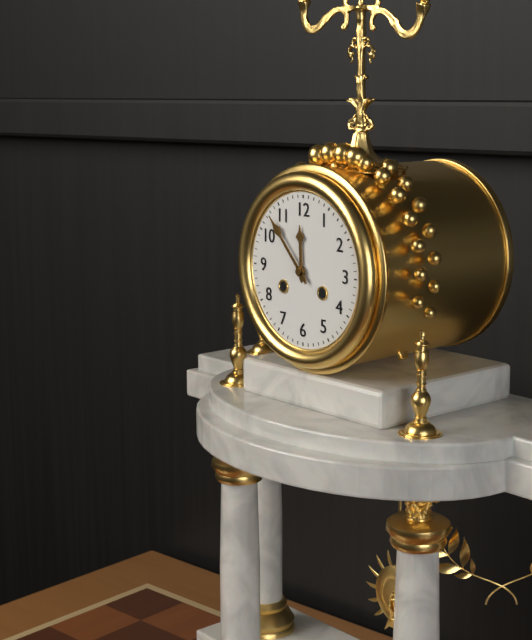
11:53
